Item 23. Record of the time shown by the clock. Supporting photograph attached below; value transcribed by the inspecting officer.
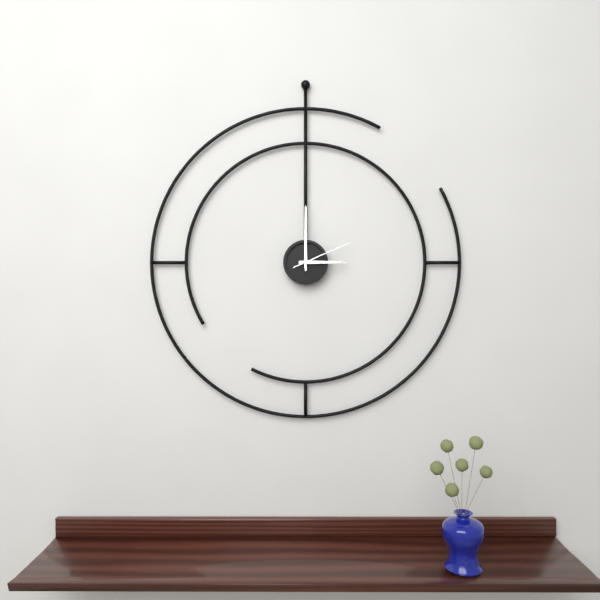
3:00:11
